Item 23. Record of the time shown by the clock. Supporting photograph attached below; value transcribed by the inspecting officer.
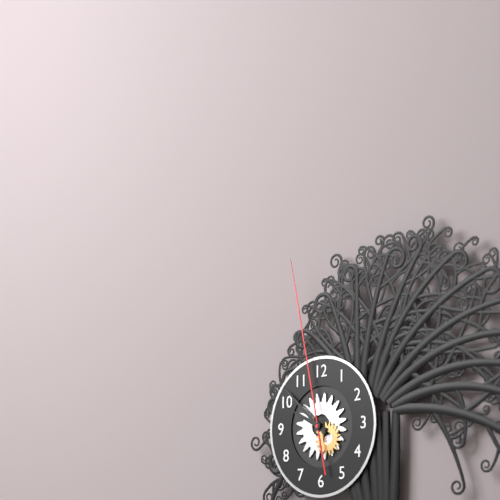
9:52:58
